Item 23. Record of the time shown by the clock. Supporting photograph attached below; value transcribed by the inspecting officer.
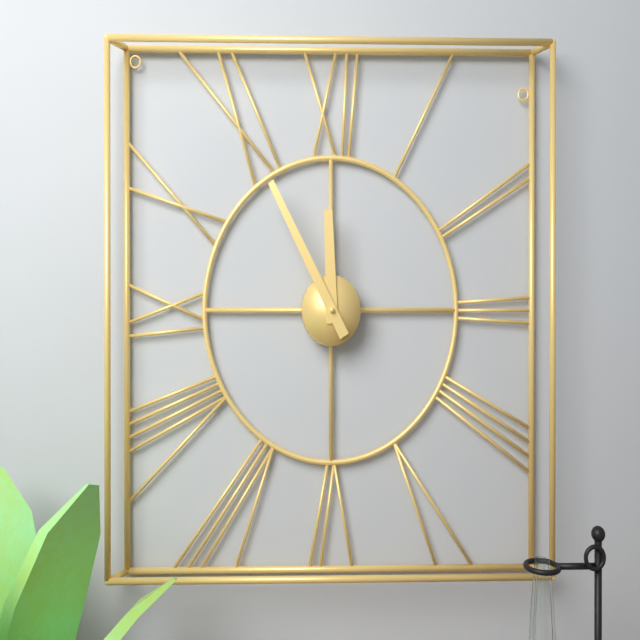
11:55
